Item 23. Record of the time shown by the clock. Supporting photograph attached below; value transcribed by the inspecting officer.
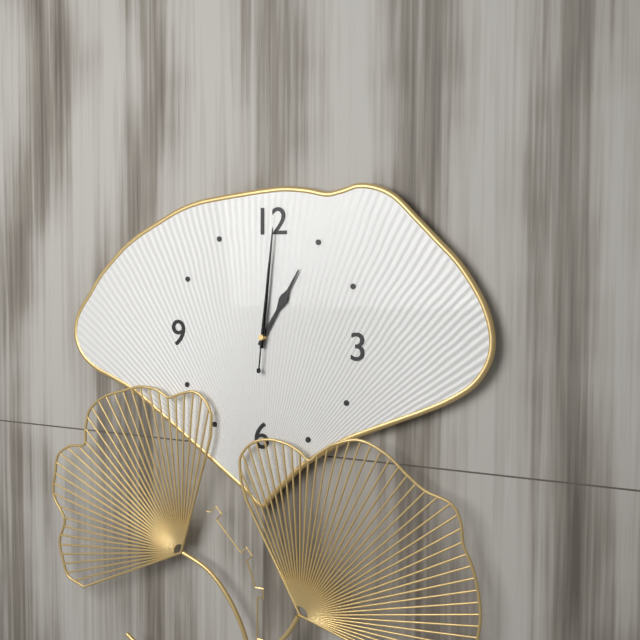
1:01:01
